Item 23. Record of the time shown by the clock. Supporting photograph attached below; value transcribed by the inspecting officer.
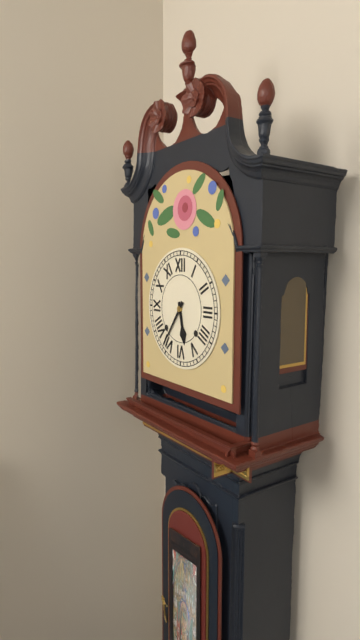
5:36
